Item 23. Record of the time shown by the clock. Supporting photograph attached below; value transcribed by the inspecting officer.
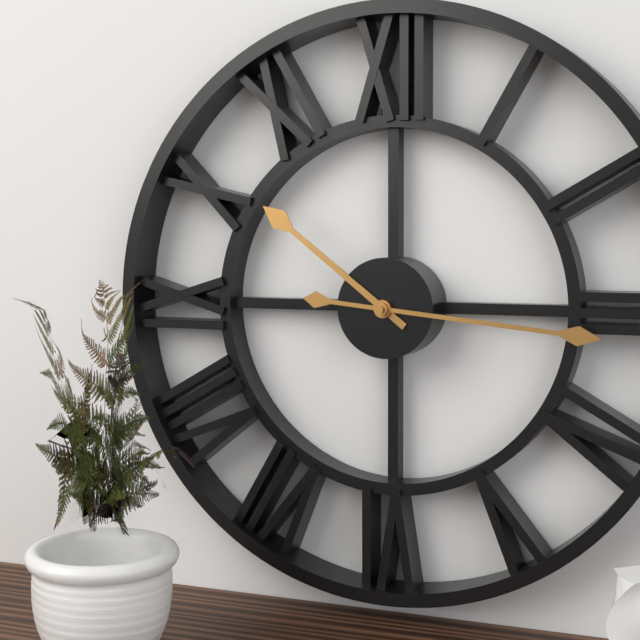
10:16
